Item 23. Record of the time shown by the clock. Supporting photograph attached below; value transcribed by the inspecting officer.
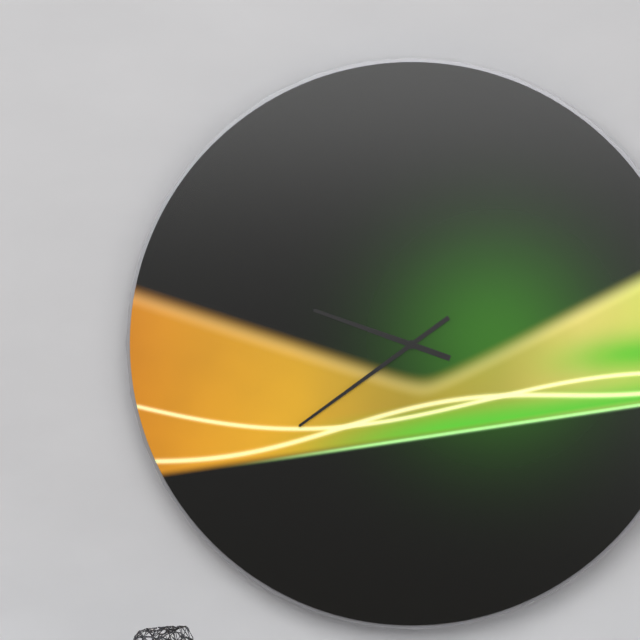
9:39
